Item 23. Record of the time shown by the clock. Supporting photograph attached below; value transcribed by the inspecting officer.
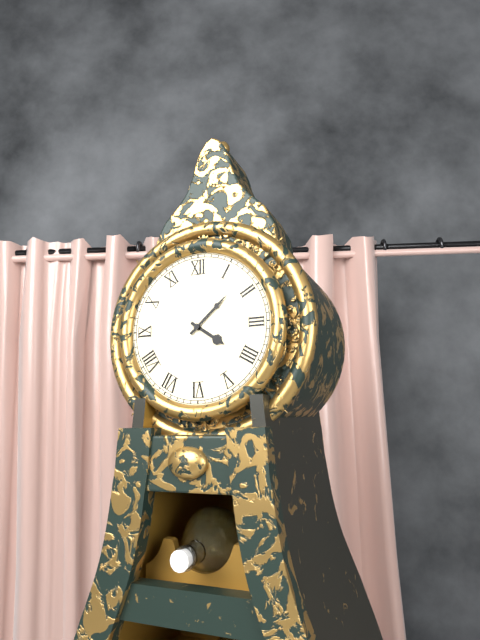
4:08
